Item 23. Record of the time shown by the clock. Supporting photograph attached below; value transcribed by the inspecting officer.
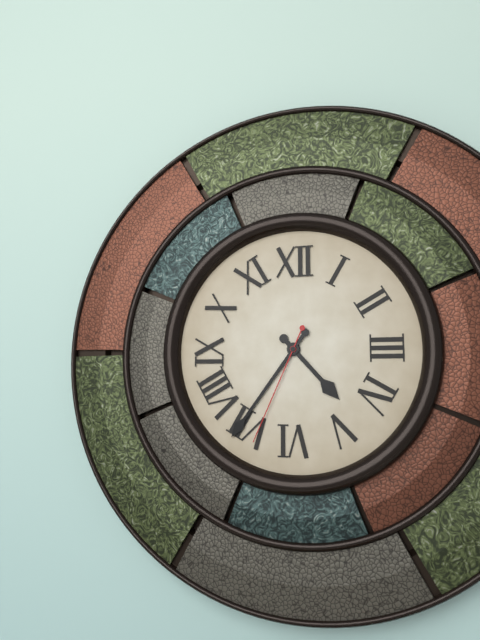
4:36:34
